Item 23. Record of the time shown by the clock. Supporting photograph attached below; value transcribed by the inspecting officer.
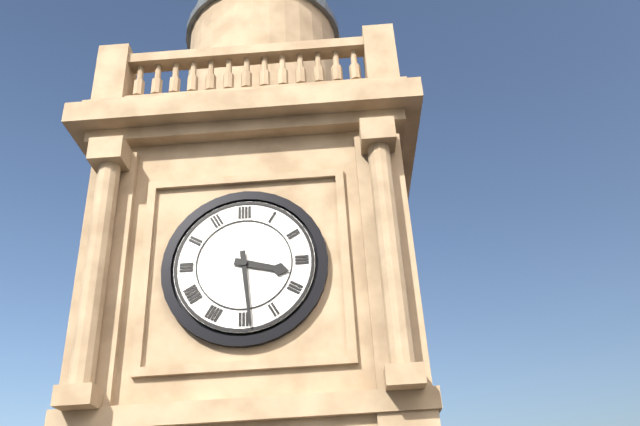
3:29
